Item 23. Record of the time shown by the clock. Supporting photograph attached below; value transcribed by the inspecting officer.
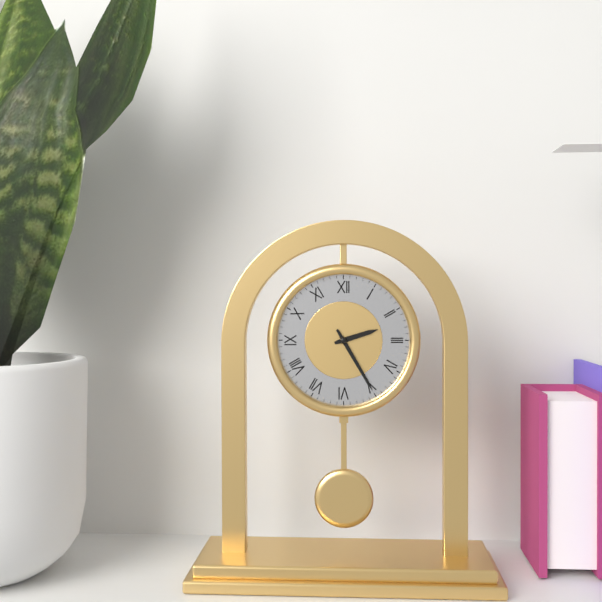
2:25
